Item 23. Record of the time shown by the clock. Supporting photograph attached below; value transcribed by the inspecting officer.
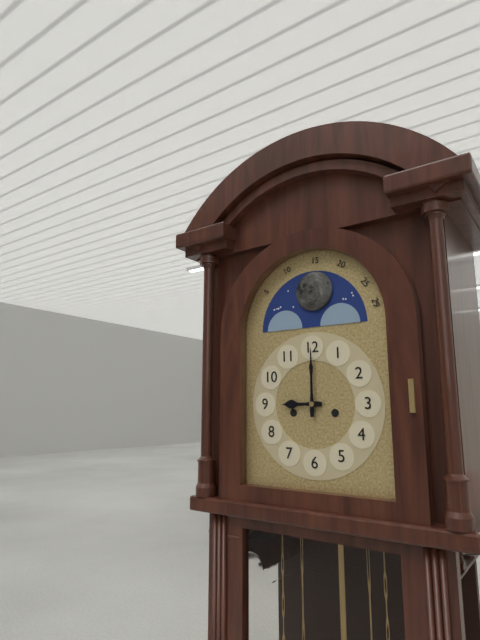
9:00
